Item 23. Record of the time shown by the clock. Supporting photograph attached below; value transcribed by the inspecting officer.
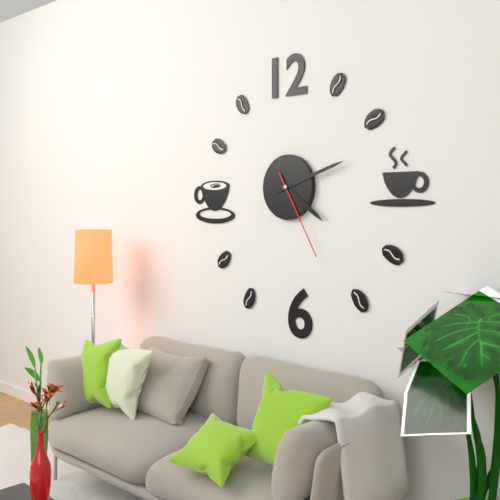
4:12:25
